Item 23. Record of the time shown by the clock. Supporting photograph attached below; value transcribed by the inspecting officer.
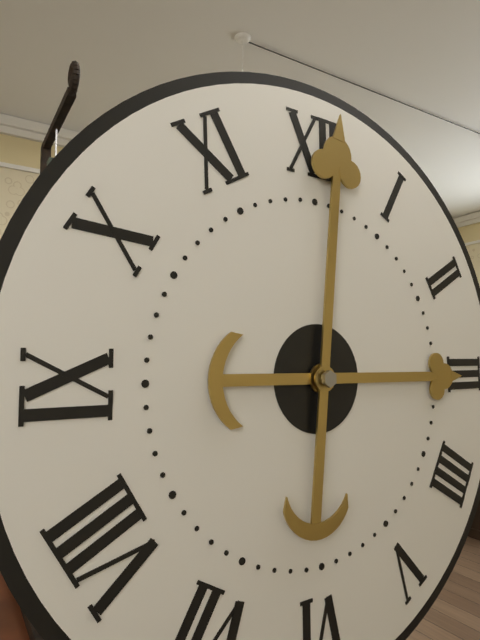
3:01
